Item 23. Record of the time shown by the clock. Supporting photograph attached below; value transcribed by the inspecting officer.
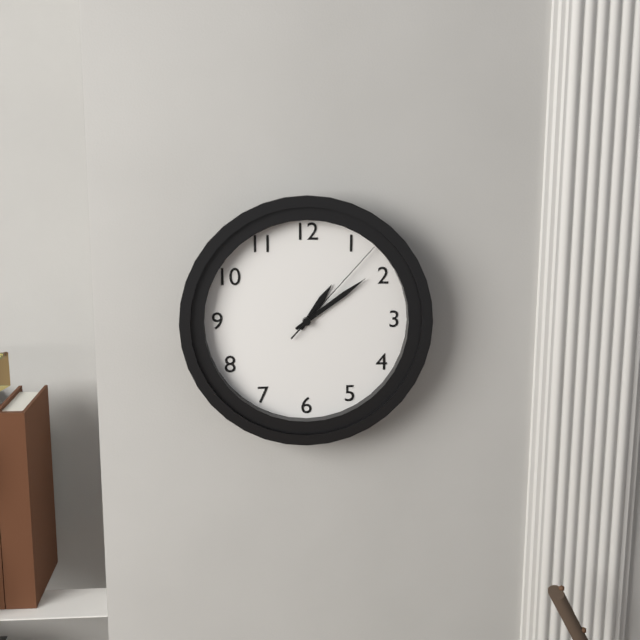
1:09:07
